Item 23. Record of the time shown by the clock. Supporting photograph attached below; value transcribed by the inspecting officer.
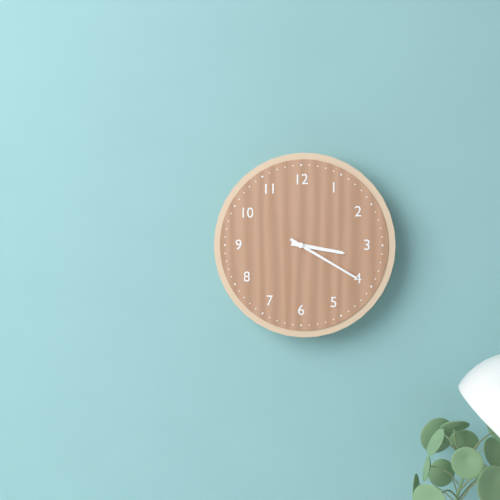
3:20
